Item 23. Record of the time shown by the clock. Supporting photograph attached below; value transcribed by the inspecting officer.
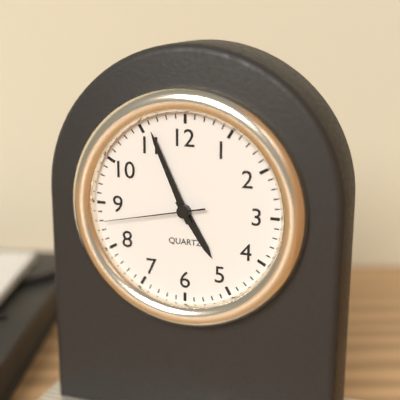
4:56:43
